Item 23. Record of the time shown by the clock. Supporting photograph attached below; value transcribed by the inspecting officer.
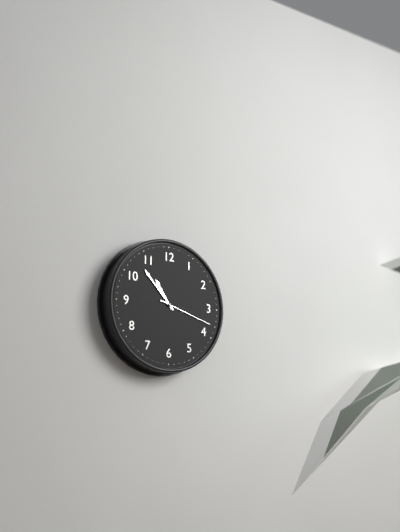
10:53:18
